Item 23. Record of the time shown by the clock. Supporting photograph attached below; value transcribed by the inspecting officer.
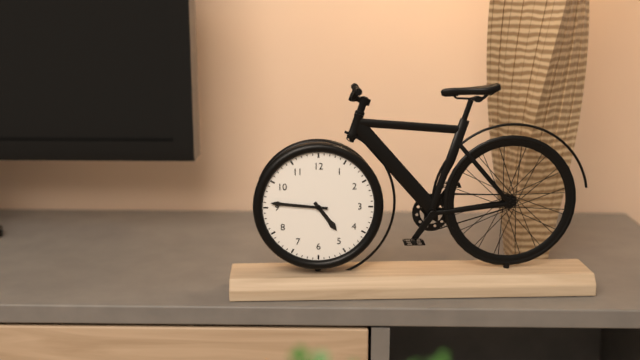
4:46
